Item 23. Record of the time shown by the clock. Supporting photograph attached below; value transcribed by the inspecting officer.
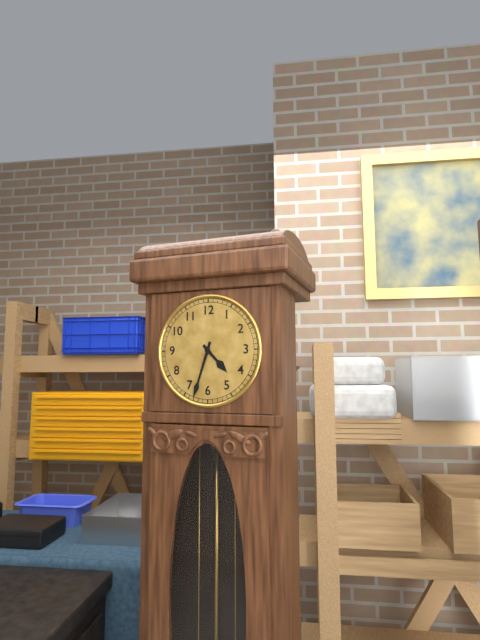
4:33
